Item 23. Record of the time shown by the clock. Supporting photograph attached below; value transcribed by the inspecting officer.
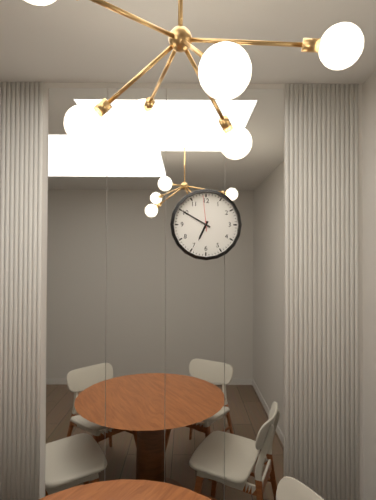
6:50
